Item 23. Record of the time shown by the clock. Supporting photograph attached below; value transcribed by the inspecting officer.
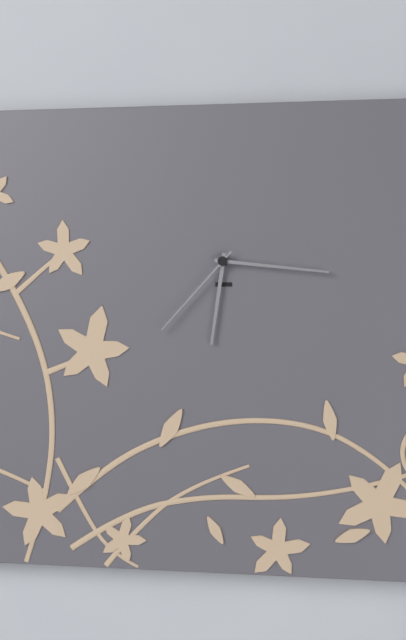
6:16:37
